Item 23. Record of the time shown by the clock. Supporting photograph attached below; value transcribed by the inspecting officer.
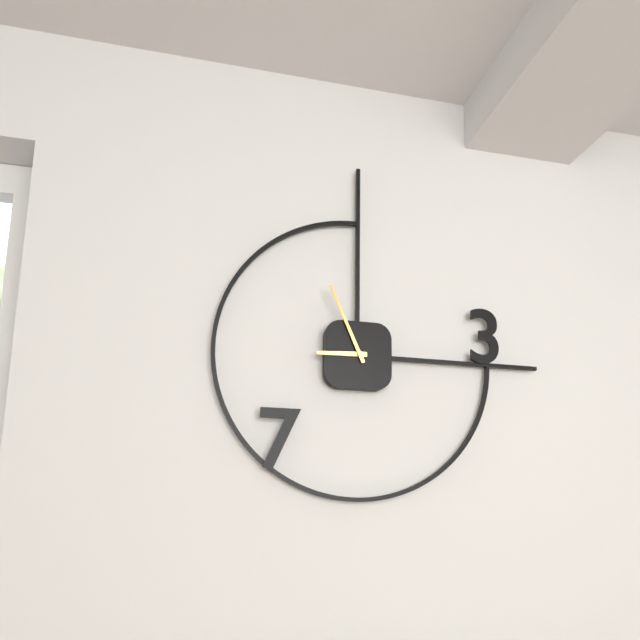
8:56
